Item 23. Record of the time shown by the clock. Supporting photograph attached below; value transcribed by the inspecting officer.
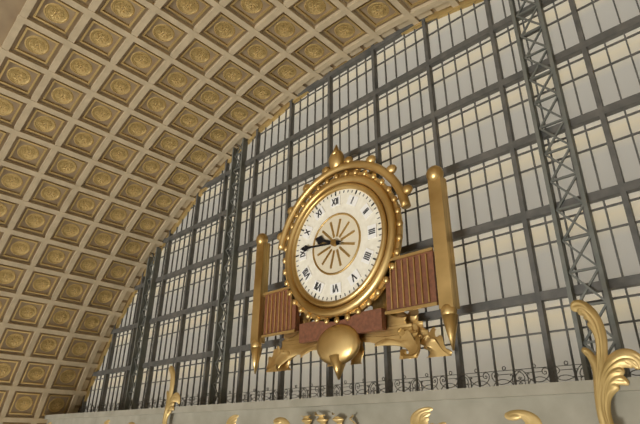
9:46
